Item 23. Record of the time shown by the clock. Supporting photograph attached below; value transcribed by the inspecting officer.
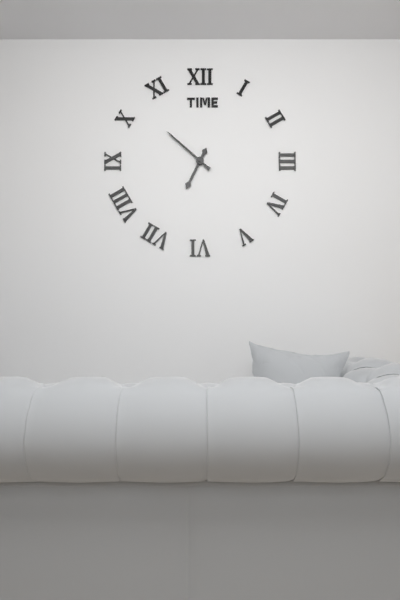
6:52
